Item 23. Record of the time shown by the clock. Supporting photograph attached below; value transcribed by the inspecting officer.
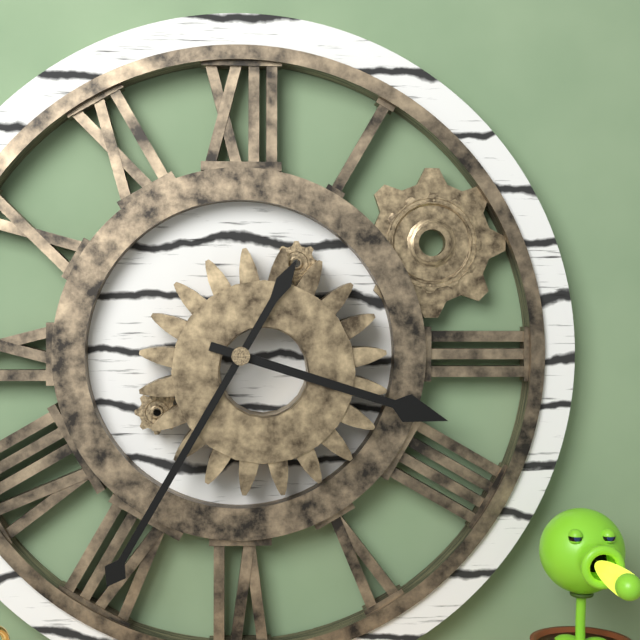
3:35
